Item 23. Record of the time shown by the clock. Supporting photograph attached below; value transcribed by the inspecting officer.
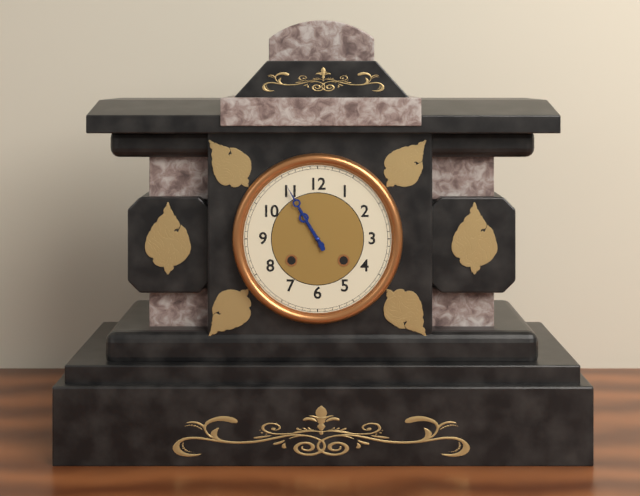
10:55
